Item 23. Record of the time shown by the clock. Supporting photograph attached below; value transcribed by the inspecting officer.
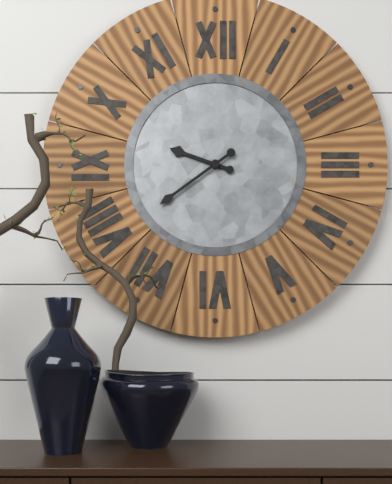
9:39
